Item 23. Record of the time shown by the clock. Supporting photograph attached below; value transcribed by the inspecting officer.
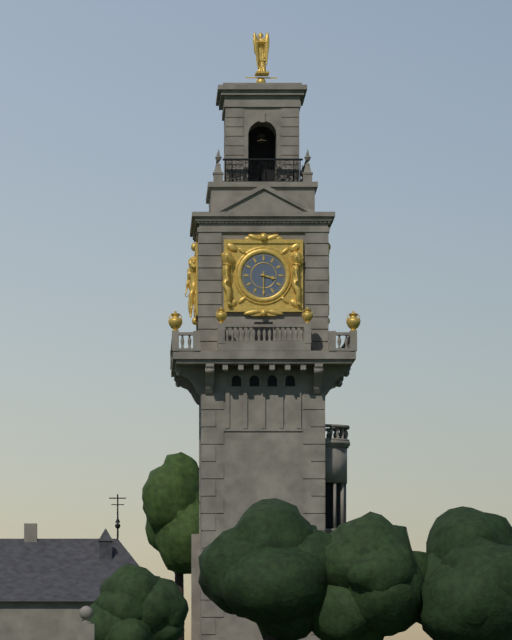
3:30
